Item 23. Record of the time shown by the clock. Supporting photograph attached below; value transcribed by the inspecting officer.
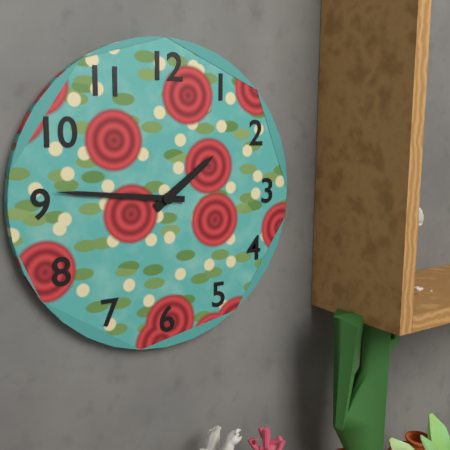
1:46
